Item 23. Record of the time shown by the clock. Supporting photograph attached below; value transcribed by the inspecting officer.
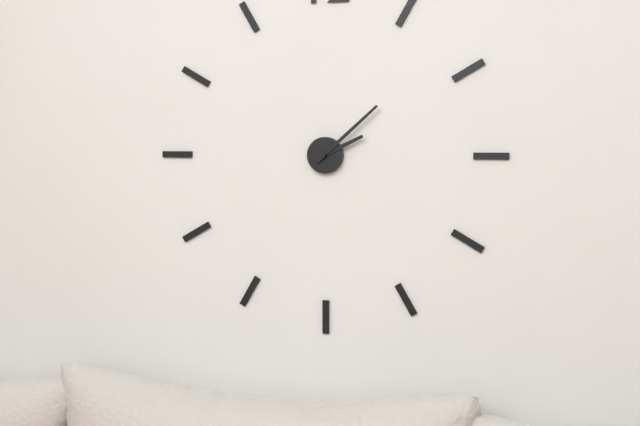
2:08
